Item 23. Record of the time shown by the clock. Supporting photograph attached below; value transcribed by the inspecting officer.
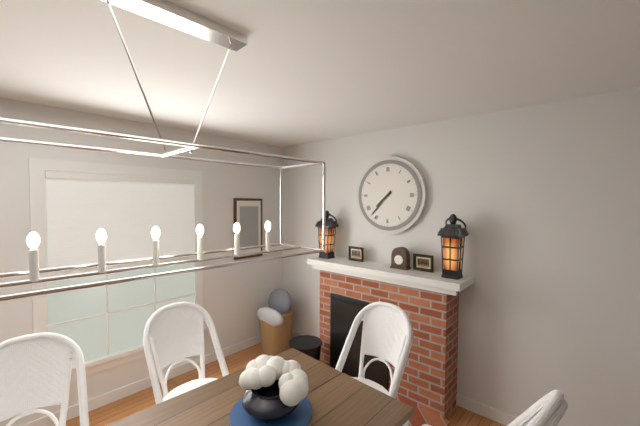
7:37
